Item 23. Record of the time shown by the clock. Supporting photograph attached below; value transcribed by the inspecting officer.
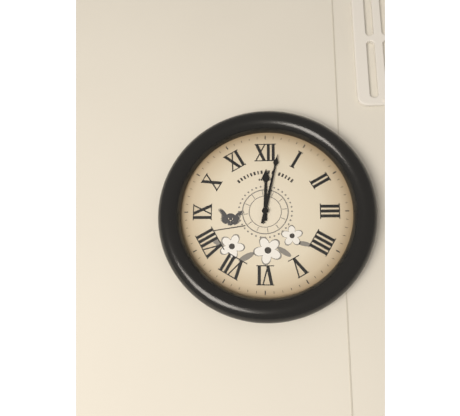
12:02
